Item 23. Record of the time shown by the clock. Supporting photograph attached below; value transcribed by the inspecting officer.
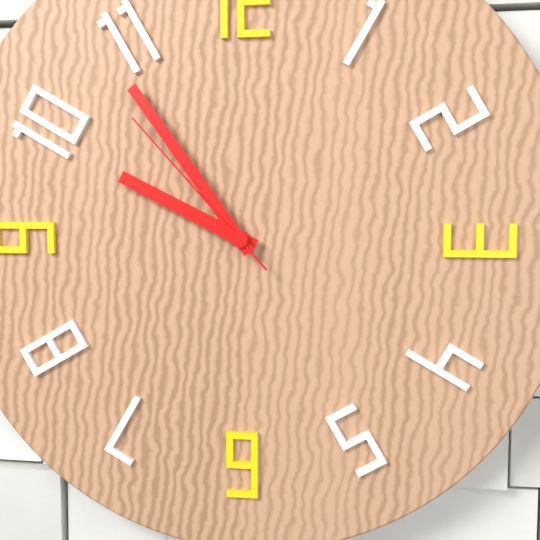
9:54:53
